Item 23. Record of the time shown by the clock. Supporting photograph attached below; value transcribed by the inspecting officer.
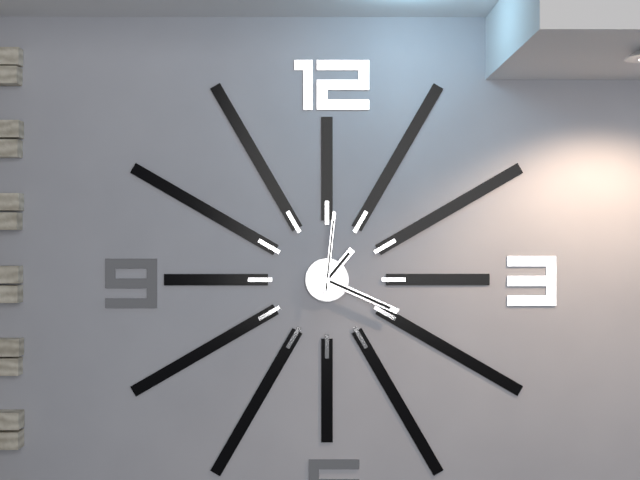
1:19:01
